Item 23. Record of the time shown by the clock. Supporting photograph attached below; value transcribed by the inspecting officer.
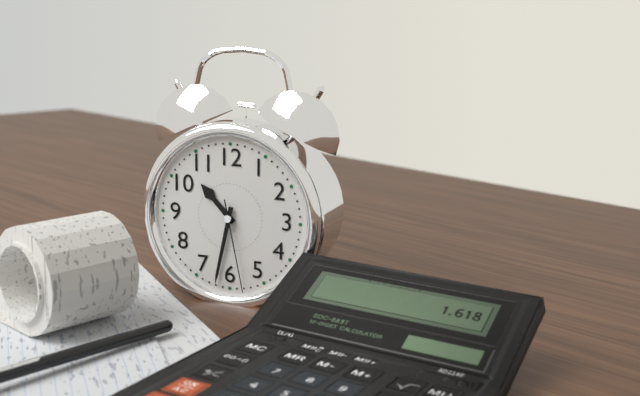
10:32:28
